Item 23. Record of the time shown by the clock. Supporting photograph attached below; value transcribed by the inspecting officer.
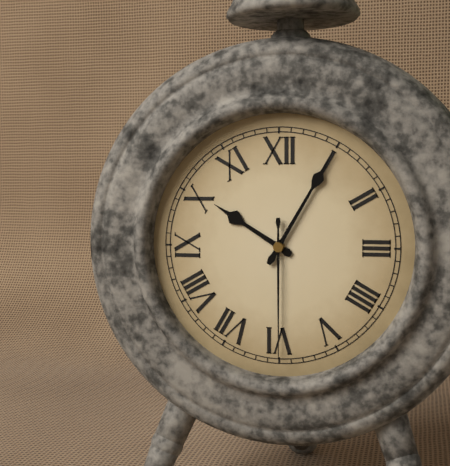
10:05:30
